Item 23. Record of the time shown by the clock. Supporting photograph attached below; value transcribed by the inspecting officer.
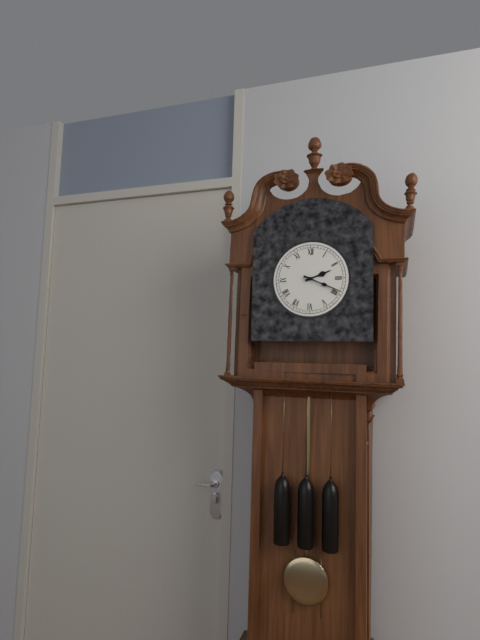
2:19
